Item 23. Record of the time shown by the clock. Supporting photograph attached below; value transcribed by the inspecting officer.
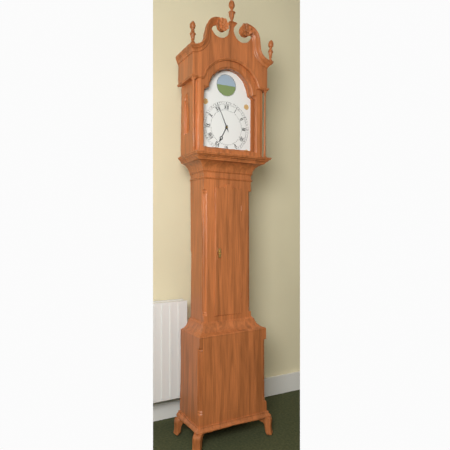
6:56
